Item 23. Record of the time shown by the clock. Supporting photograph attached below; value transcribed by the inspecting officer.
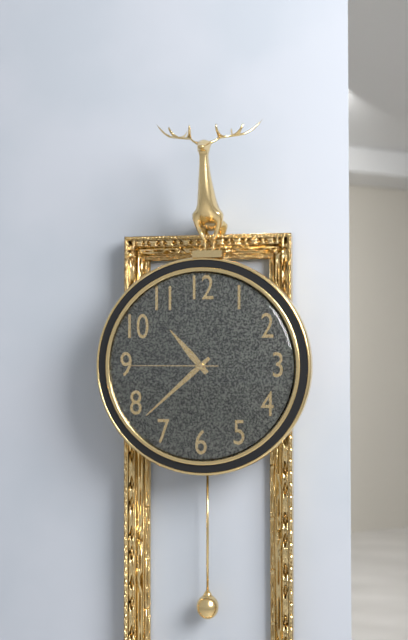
10:38:45
